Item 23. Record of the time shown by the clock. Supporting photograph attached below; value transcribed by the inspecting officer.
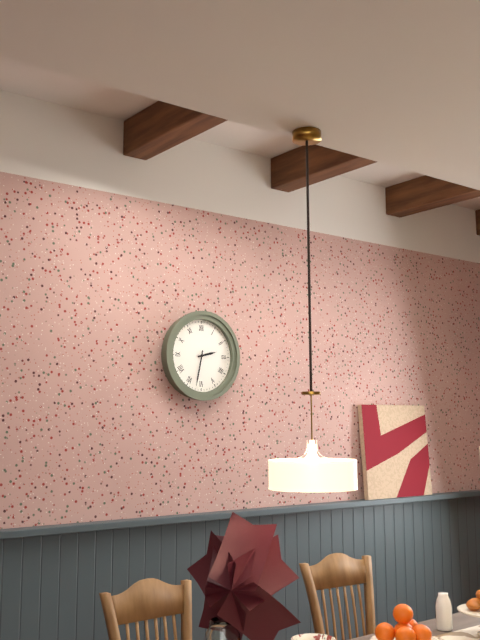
2:32
